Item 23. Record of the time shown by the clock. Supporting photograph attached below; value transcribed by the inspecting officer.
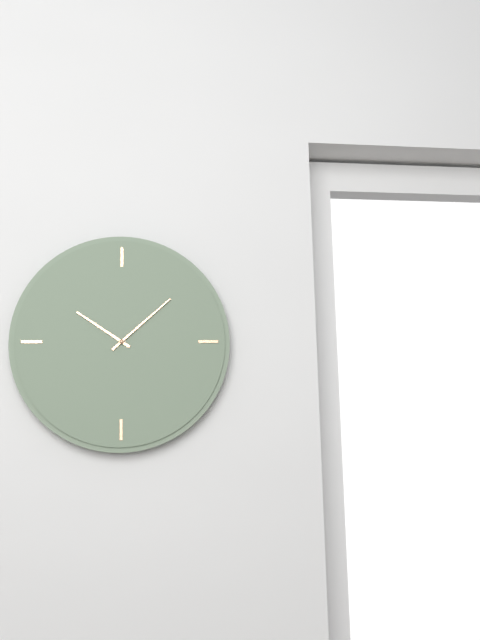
10:08
